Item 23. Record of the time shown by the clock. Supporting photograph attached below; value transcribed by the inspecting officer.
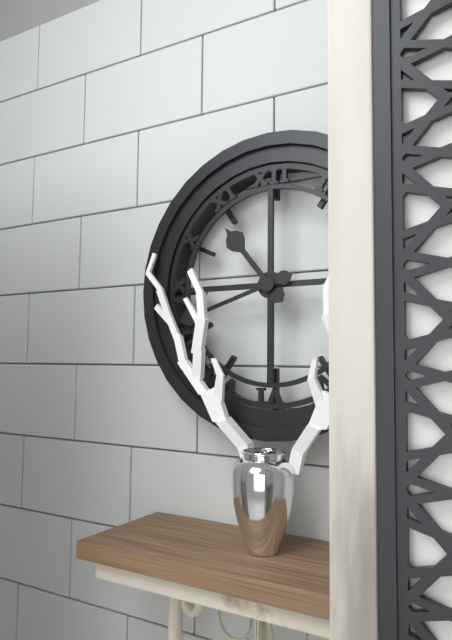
10:42
